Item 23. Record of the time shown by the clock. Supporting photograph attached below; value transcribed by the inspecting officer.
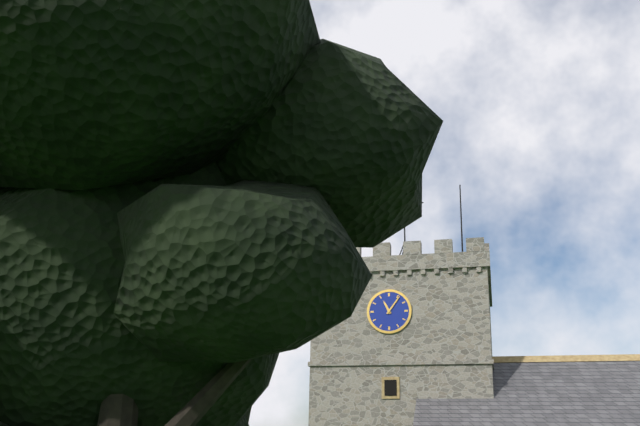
11:06
